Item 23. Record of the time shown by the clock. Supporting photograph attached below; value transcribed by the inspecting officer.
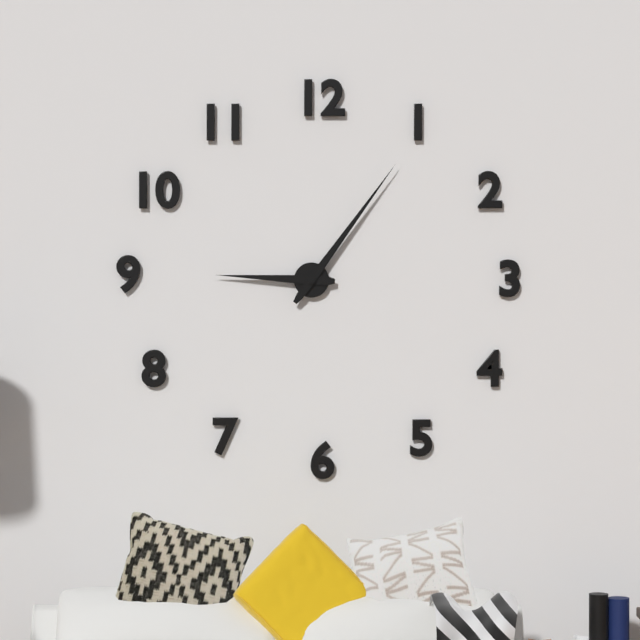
9:06
